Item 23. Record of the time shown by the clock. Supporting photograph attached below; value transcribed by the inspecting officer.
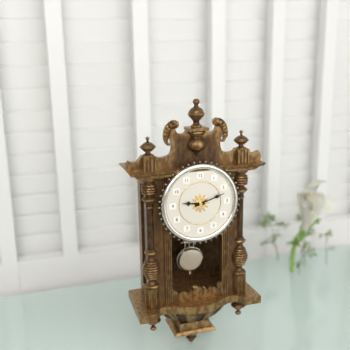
9:12
